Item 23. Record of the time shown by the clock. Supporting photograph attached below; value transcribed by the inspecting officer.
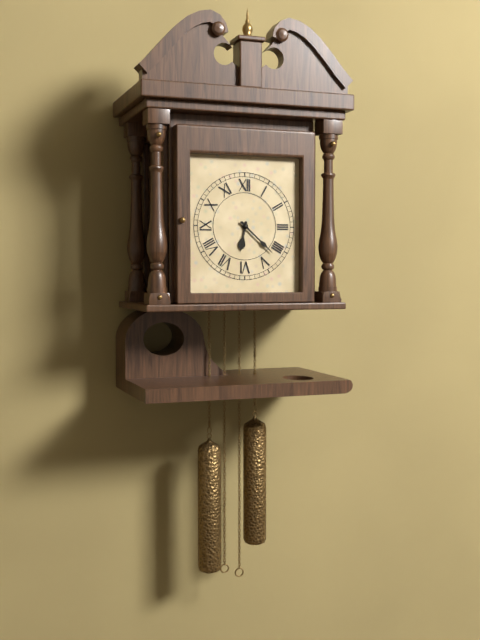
6:22
